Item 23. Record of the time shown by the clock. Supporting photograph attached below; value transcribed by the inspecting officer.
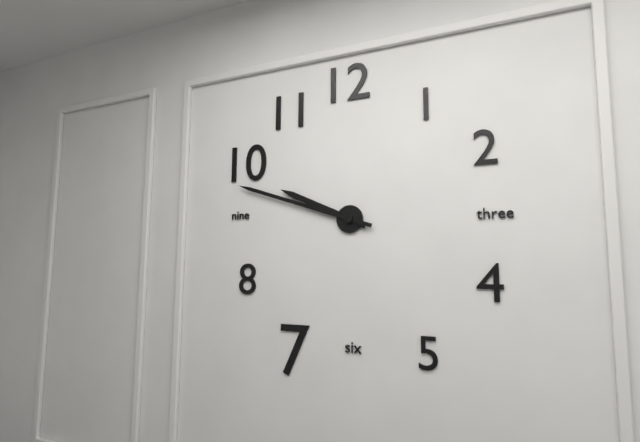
9:48
